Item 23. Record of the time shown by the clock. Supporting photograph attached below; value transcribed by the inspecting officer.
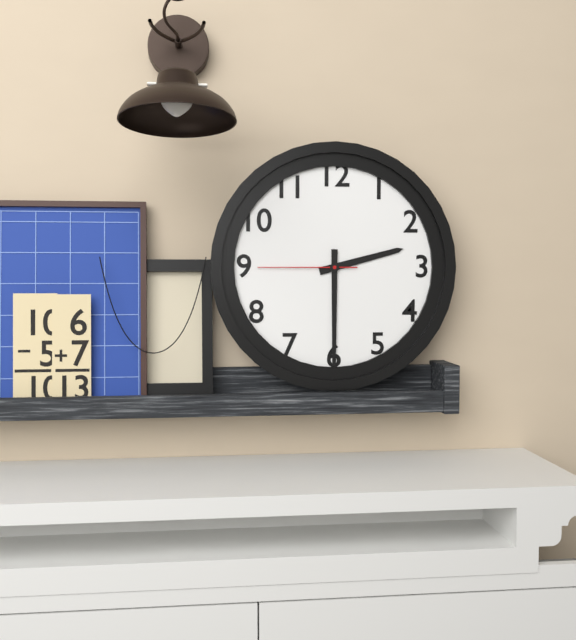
2:30:45
